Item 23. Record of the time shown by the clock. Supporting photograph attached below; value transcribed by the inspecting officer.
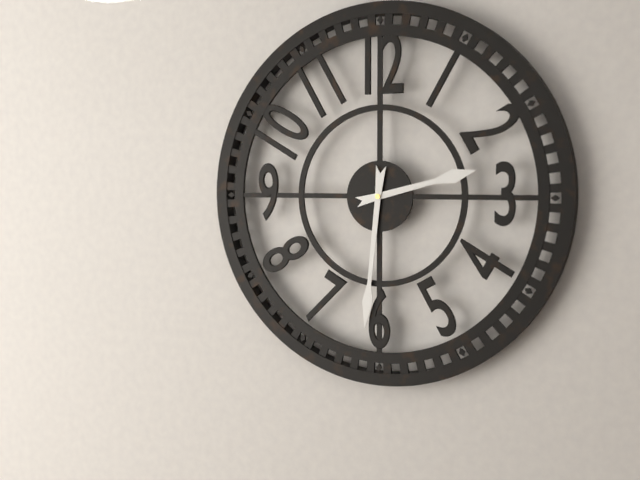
2:31
